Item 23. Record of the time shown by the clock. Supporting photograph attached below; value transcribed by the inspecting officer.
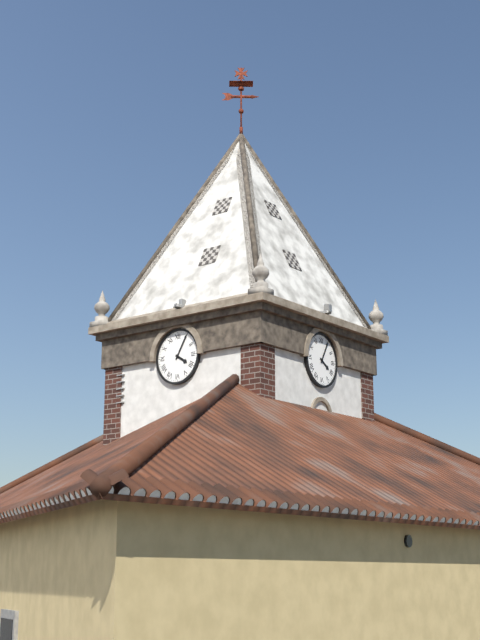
4:05
